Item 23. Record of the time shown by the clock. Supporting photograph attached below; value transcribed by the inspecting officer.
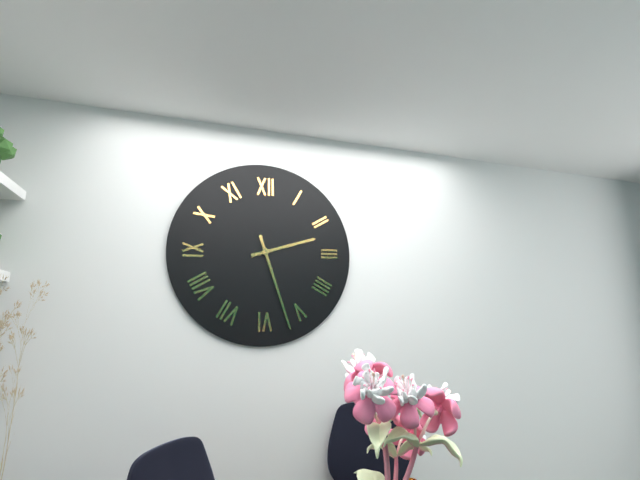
2:27
